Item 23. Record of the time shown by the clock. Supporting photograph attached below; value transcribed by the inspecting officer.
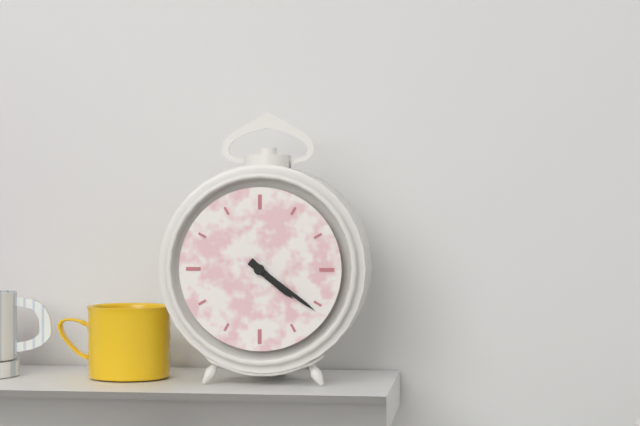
4:21
